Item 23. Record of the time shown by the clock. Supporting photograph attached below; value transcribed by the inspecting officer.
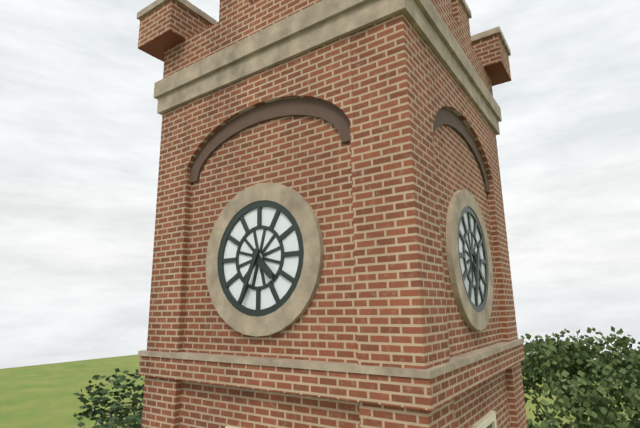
4:34
